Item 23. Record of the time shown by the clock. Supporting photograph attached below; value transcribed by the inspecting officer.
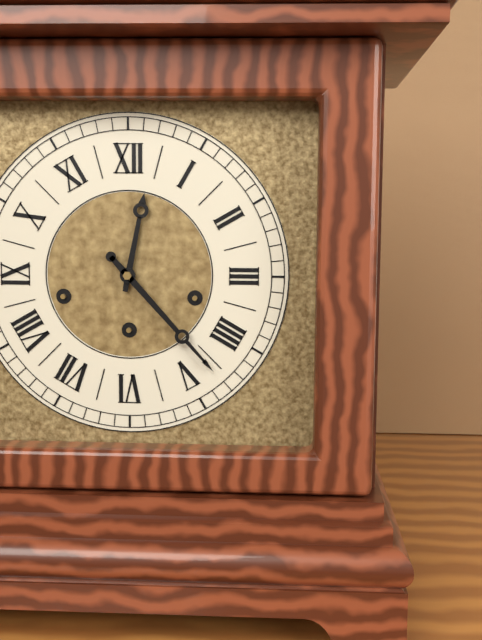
12:23
